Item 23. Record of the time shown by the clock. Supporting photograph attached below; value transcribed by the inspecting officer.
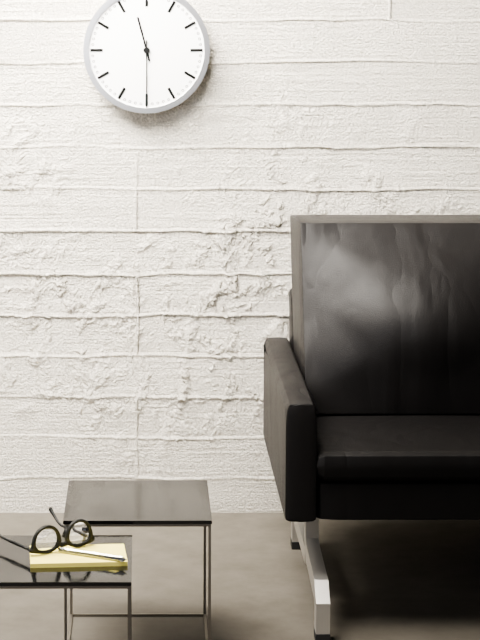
11:30
